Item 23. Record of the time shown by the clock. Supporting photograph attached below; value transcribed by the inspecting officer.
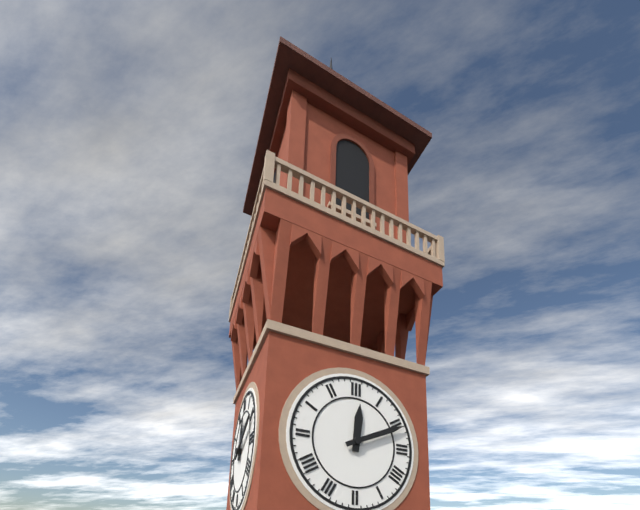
12:11
